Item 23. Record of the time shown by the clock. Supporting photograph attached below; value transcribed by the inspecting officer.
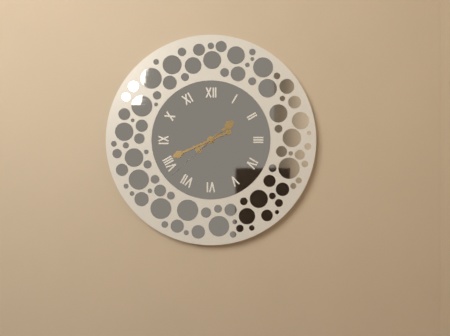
1:41:38
